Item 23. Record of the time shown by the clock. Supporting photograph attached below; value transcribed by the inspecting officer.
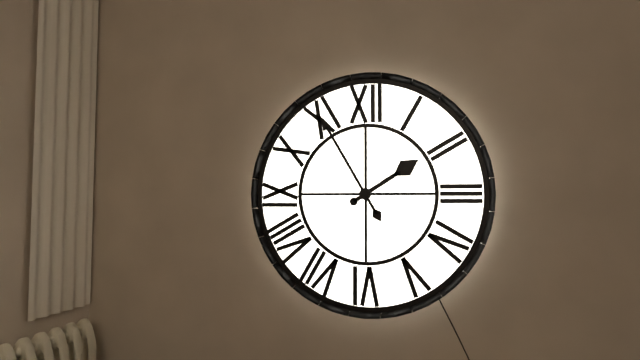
1:55
